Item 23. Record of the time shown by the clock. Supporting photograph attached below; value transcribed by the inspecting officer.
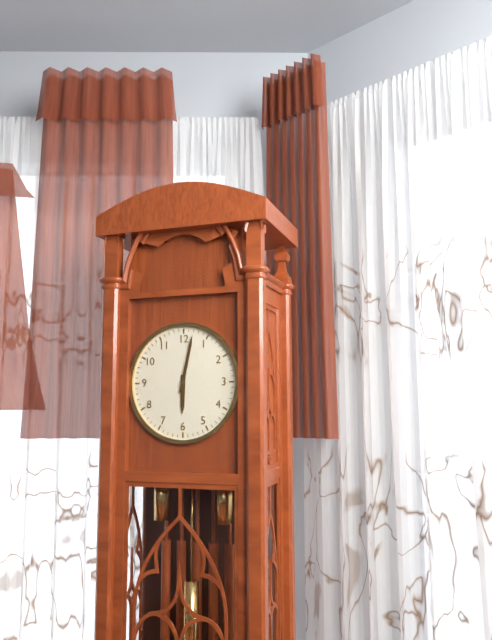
6:02
